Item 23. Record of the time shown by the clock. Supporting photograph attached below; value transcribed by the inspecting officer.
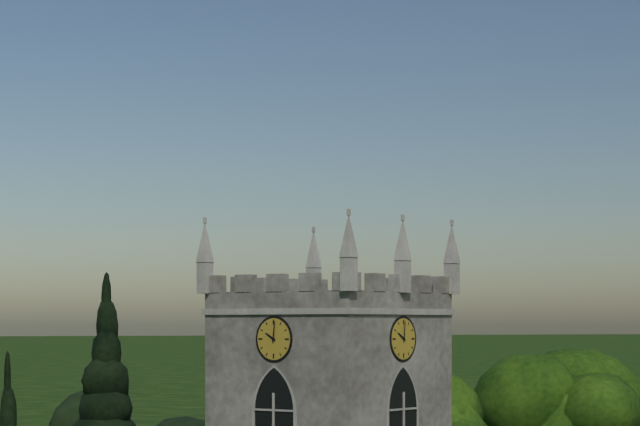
10:01
